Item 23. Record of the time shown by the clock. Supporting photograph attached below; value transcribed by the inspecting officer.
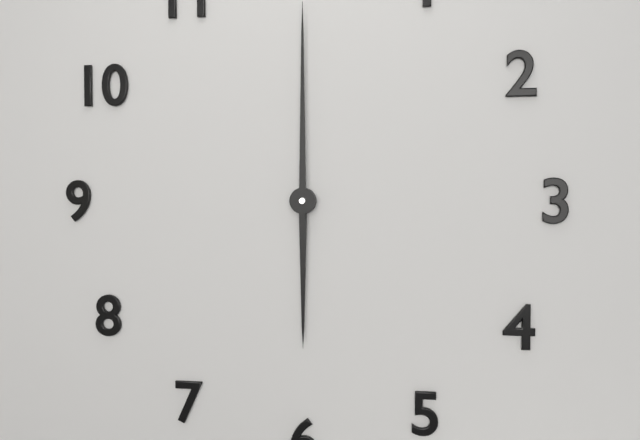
6:00
